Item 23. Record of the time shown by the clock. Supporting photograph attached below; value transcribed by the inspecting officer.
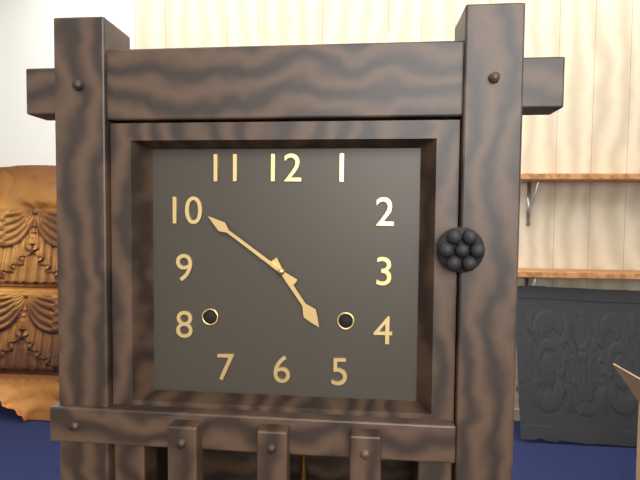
4:51
